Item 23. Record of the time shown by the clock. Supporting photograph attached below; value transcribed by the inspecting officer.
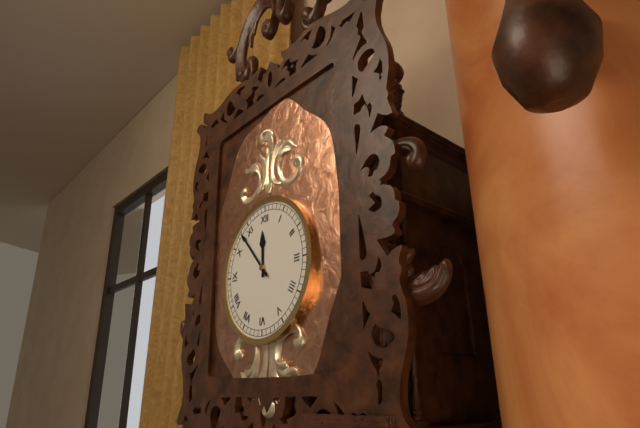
11:53
